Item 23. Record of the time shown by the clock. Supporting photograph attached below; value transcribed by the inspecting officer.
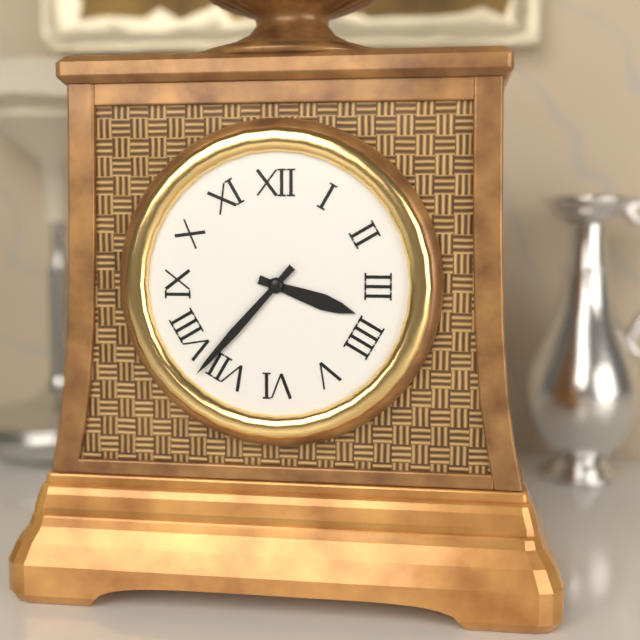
3:37
